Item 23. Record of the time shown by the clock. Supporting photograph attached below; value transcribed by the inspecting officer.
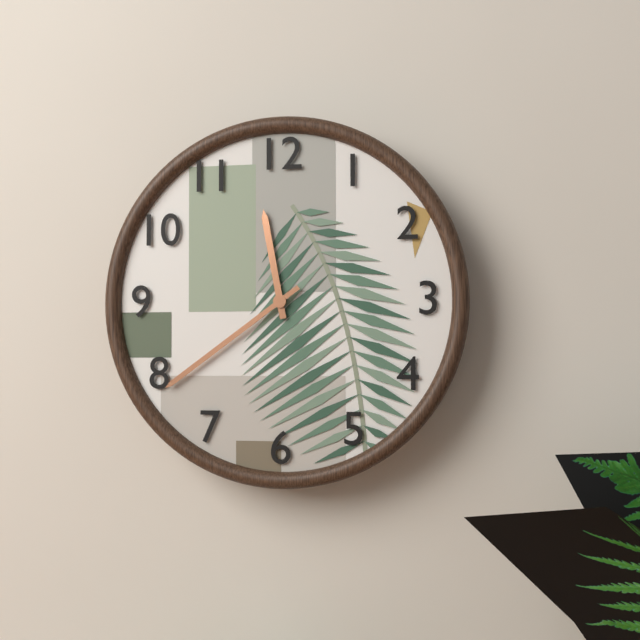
11:39
